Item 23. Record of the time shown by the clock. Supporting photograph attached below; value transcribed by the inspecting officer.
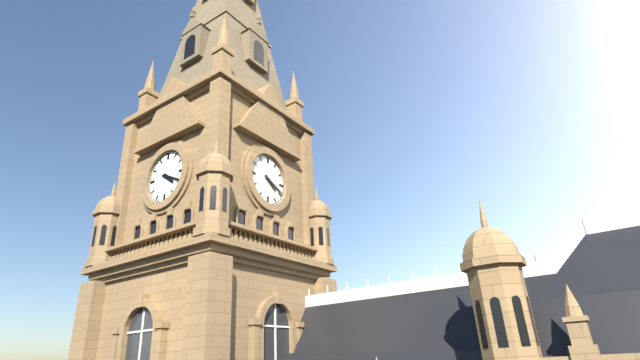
4:19
